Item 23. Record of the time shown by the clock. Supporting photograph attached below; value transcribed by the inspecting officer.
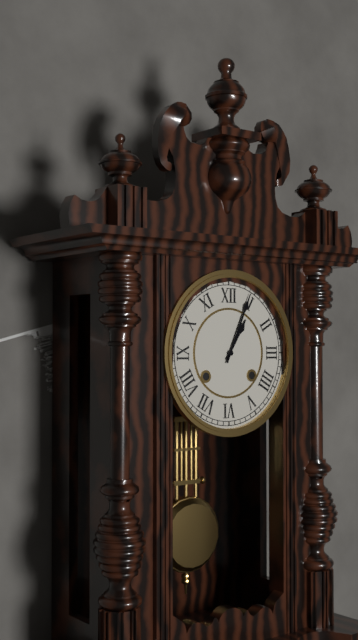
1:04
